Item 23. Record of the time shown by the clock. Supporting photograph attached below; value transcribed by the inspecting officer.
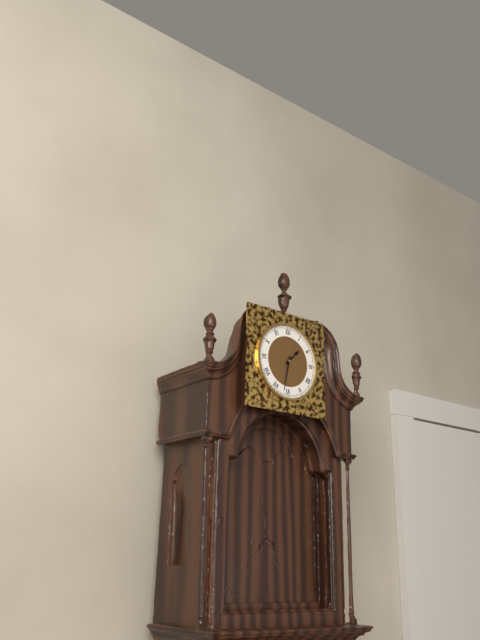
1:32
